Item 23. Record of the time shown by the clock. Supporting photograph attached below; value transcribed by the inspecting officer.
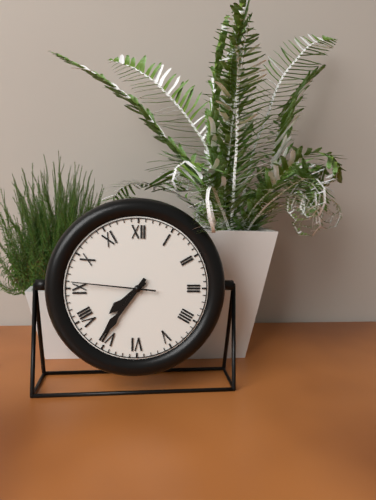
7:36:46
